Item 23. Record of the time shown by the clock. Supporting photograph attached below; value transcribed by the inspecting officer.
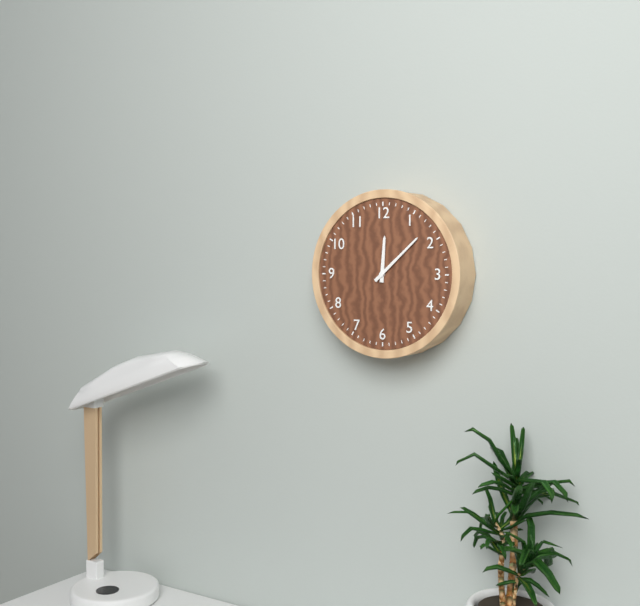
12:08
